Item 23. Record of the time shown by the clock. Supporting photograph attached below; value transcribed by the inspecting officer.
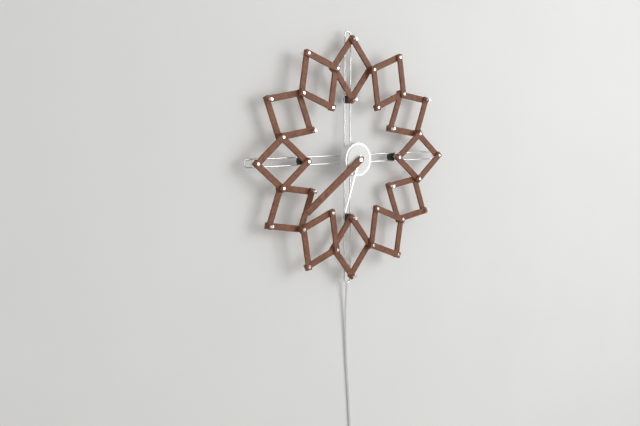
6:39
